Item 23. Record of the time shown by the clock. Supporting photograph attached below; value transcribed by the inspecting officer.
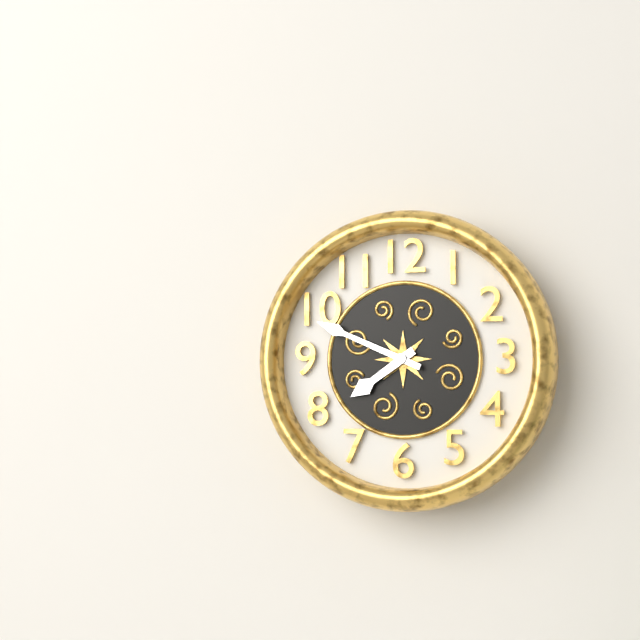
7:49
